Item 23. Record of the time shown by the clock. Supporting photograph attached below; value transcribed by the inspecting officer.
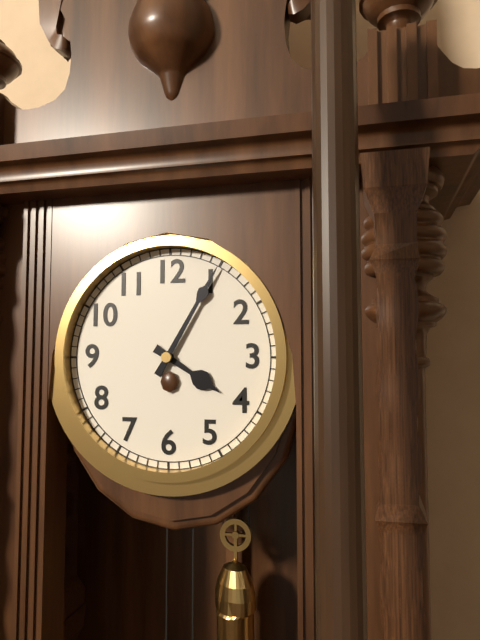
4:05
